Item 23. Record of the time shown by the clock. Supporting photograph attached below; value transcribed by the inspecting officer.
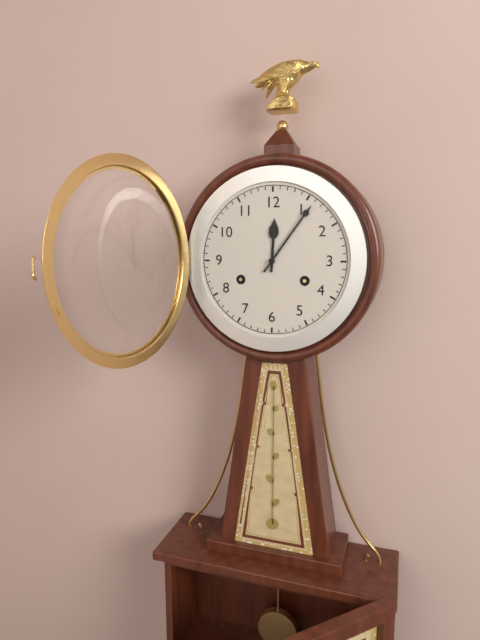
12:06
